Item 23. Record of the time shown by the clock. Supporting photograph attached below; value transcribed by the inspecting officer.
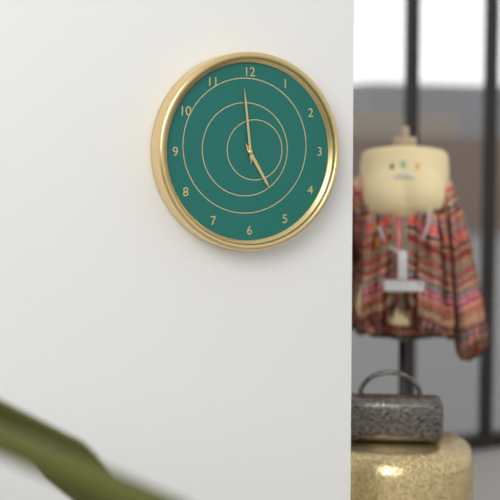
4:59
